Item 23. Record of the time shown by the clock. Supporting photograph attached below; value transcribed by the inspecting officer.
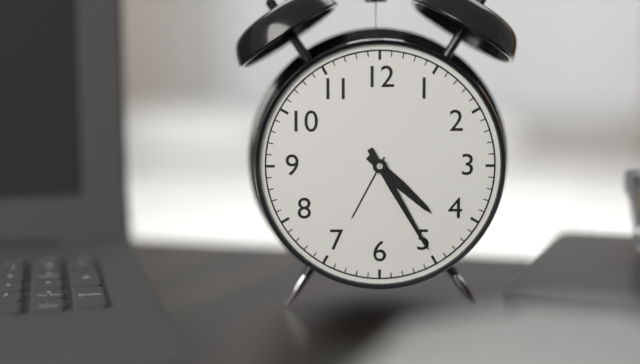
4:25
